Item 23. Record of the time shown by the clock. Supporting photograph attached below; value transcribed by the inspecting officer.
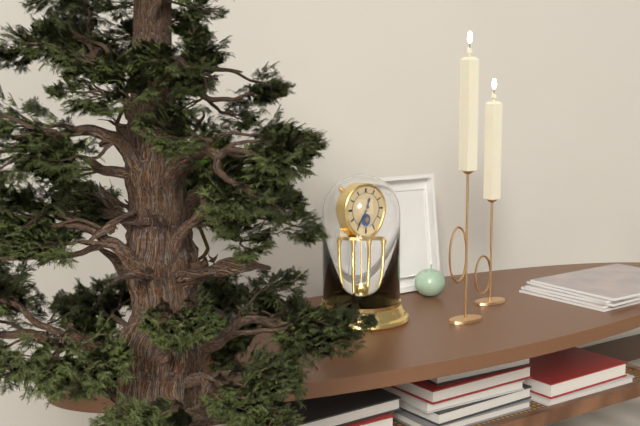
12:36
